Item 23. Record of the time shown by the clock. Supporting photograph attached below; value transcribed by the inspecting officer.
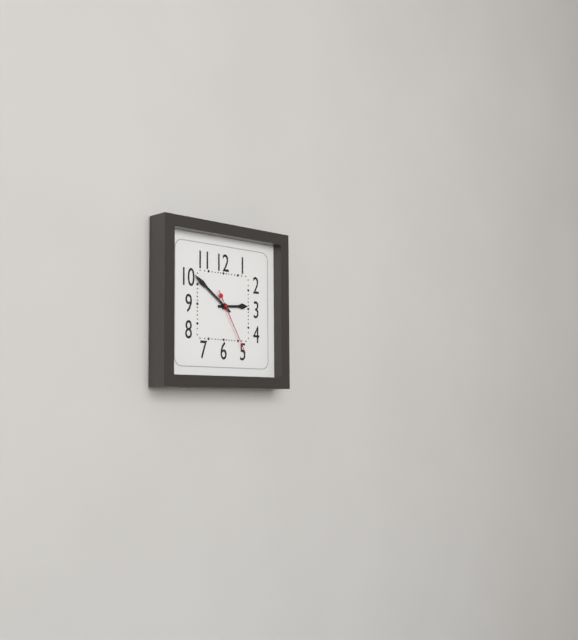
2:51:25
